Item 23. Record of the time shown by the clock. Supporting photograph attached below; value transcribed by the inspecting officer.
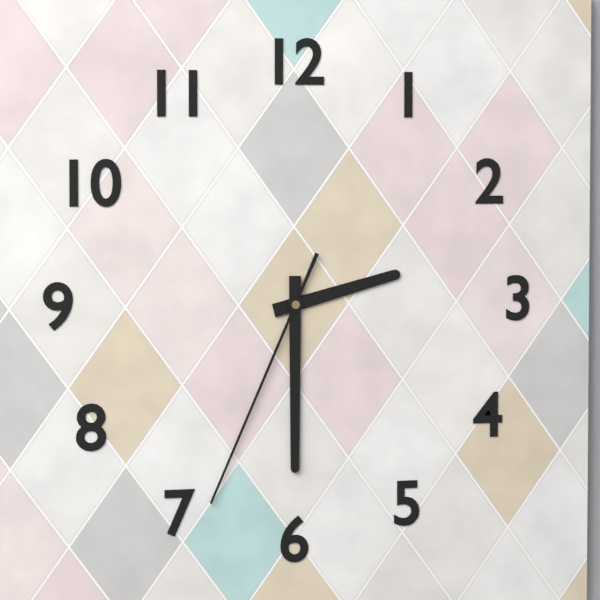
2:30:34
